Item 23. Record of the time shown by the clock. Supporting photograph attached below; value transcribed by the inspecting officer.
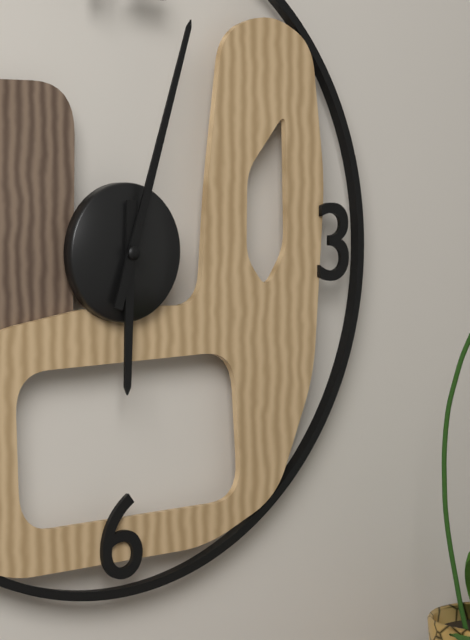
6:03
